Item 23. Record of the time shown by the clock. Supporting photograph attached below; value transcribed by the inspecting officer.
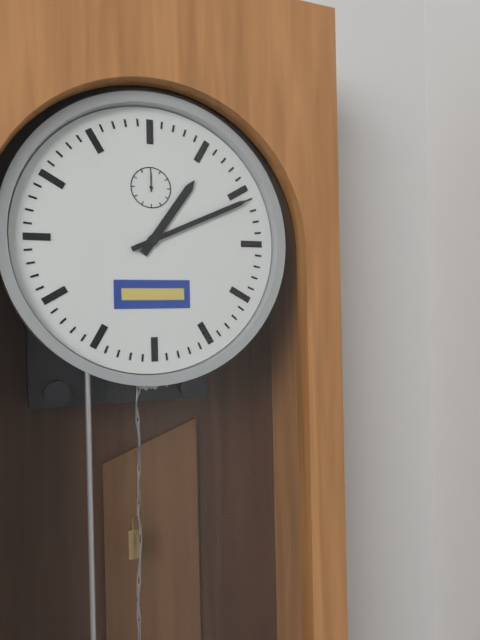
1:11
